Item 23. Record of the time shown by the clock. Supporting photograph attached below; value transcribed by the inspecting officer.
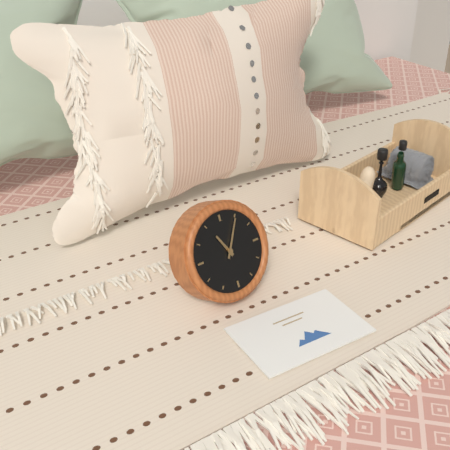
11:05
